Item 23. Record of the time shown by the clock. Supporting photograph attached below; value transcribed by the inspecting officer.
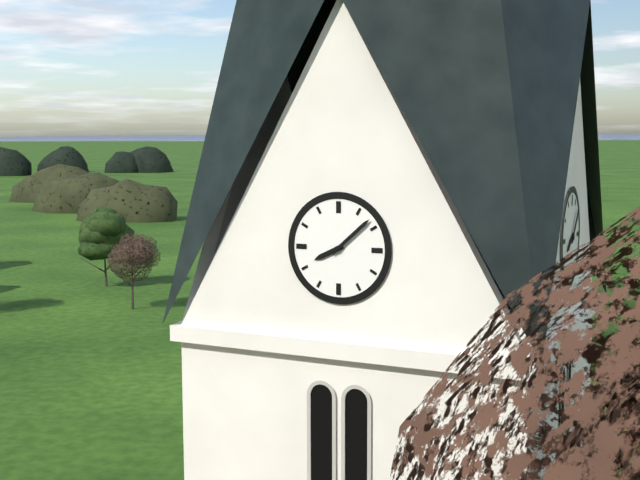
8:08
